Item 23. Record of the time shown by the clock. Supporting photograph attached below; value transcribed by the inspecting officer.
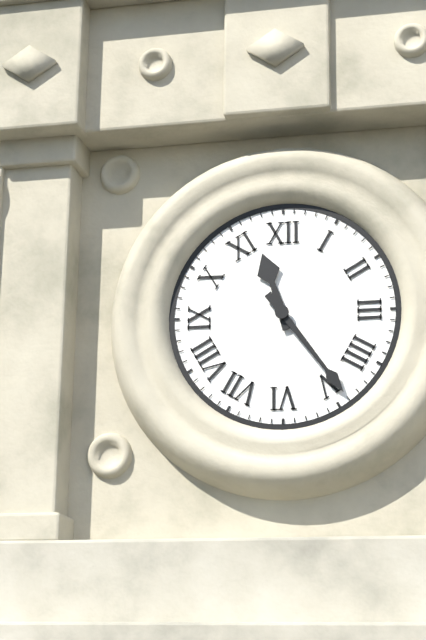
11:24
